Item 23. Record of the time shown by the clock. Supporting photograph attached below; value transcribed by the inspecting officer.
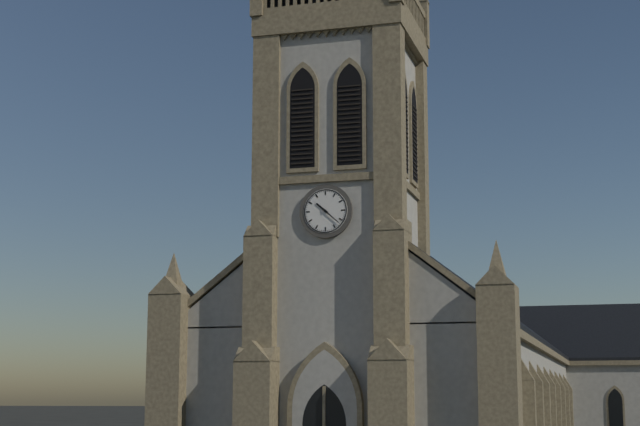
10:22
